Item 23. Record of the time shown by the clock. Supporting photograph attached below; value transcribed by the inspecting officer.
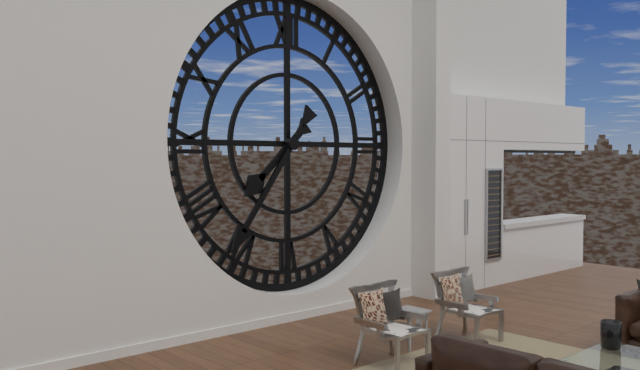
7:36
